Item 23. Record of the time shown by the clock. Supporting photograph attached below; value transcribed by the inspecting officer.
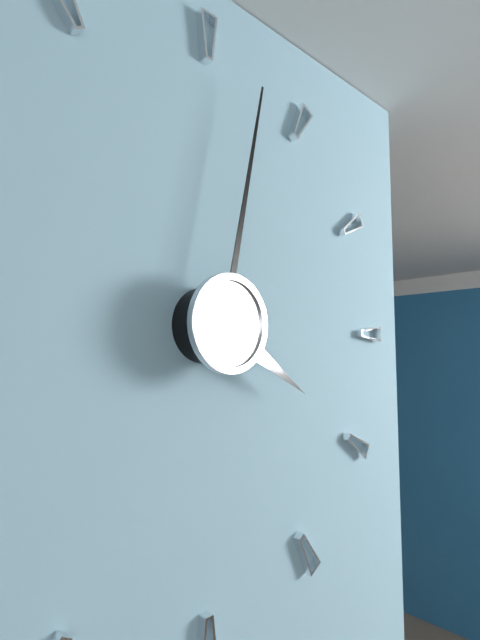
4:02
